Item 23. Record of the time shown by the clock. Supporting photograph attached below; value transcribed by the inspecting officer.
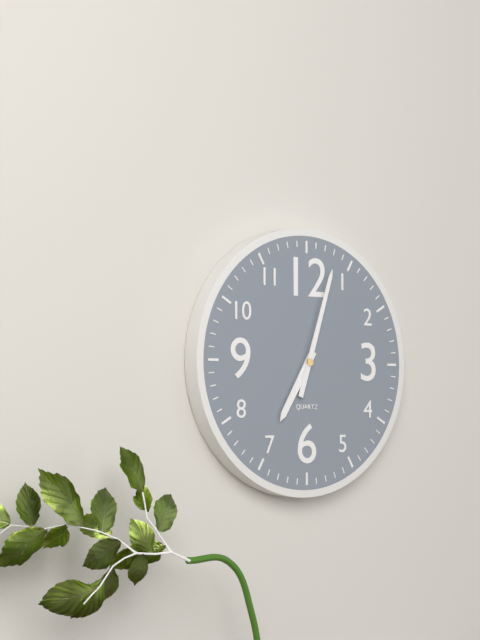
7:03
